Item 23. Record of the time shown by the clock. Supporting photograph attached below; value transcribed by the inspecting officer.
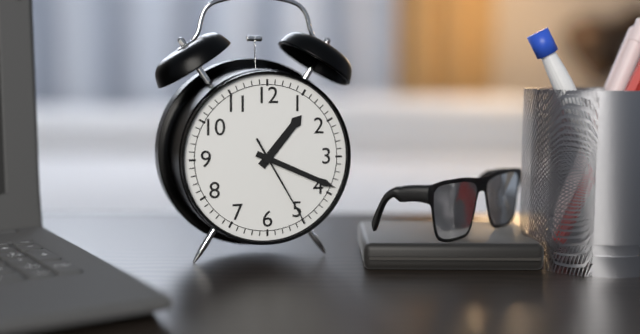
1:19:25
